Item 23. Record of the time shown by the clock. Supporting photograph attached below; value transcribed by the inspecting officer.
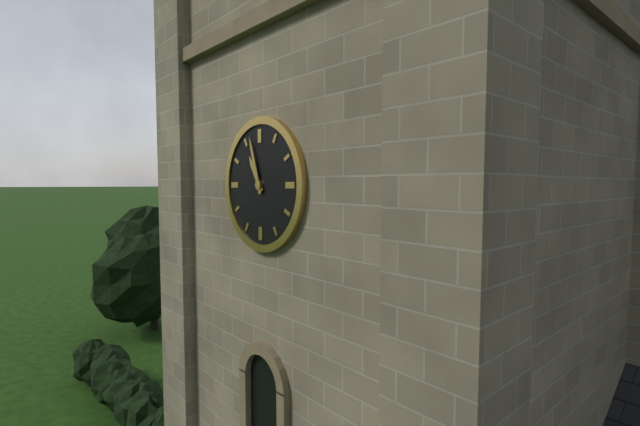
10:57
